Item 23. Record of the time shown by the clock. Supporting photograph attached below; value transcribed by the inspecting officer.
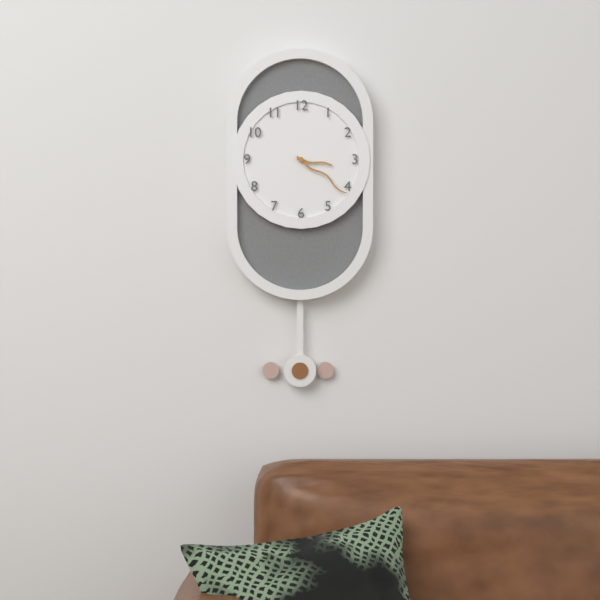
3:21
